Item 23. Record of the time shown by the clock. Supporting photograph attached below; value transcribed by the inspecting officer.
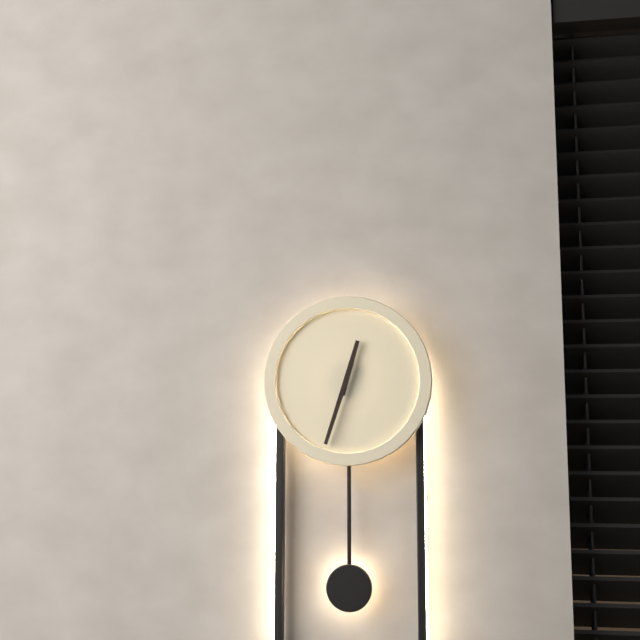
12:33
